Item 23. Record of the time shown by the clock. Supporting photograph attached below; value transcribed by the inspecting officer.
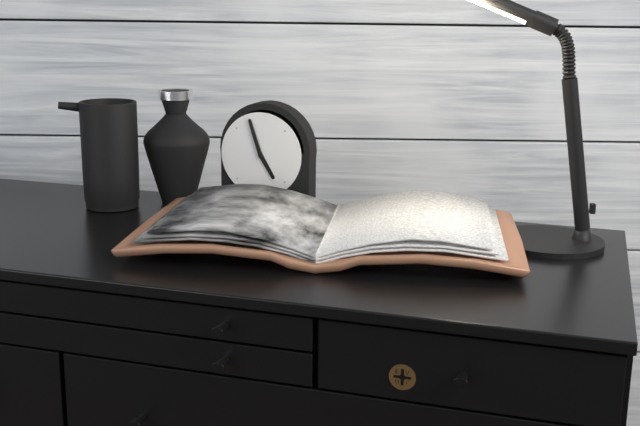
4:57
